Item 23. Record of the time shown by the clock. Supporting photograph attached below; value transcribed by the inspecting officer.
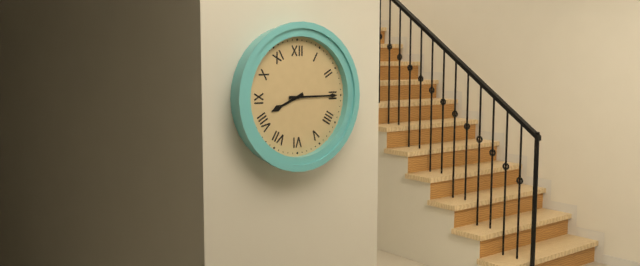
8:15
